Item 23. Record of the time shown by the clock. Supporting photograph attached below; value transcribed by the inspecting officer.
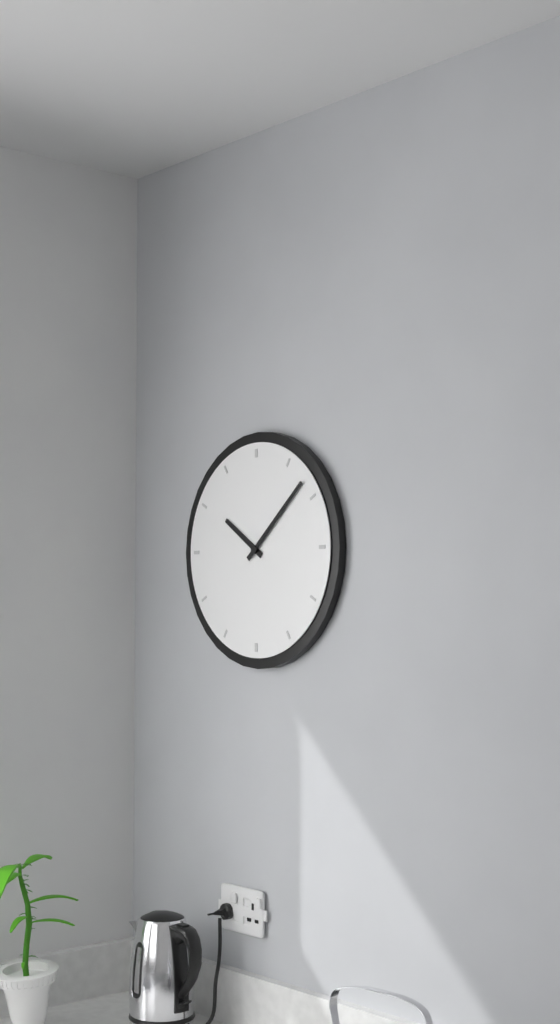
10:08
